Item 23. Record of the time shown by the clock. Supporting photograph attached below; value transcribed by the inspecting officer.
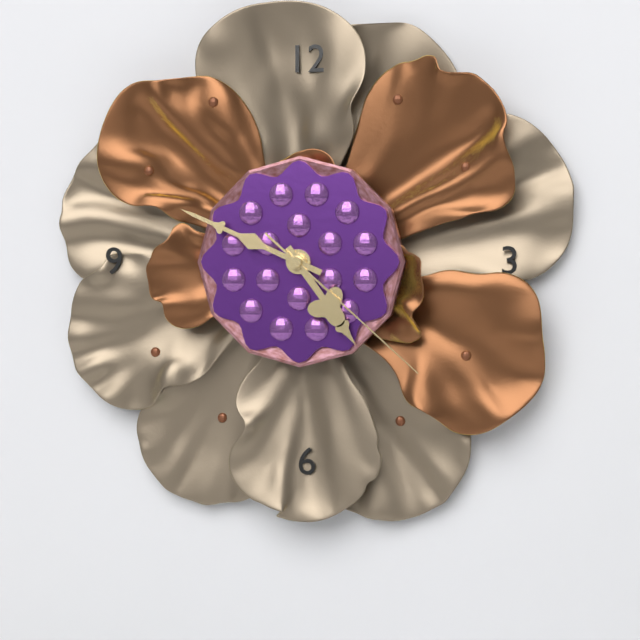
4:49:22
